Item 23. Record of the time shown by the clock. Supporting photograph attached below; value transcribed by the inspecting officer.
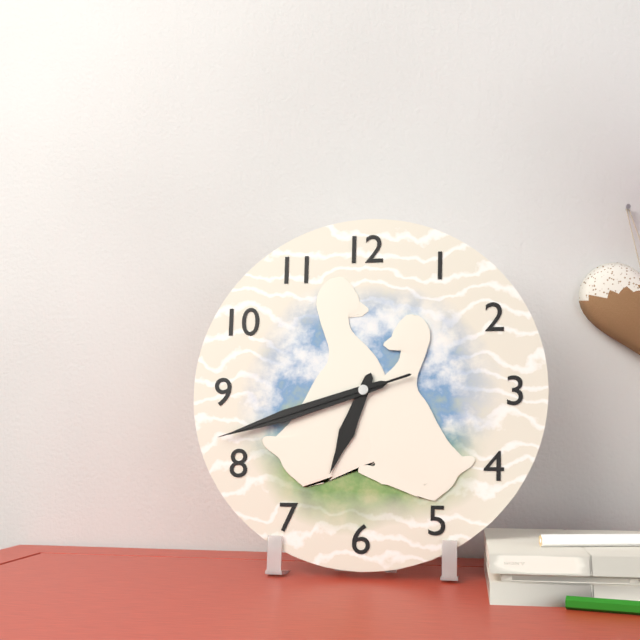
6:42:42
